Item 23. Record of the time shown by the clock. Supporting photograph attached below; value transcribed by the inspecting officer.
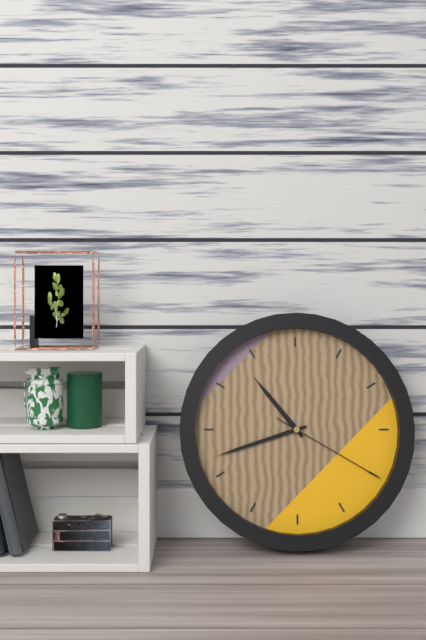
10:42:20
